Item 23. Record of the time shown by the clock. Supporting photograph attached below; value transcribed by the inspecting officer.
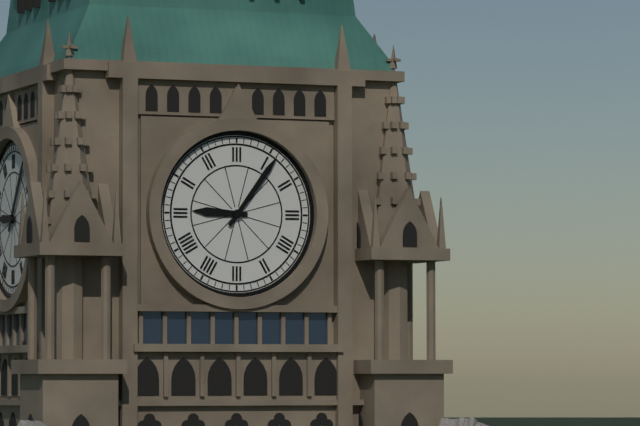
9:06
